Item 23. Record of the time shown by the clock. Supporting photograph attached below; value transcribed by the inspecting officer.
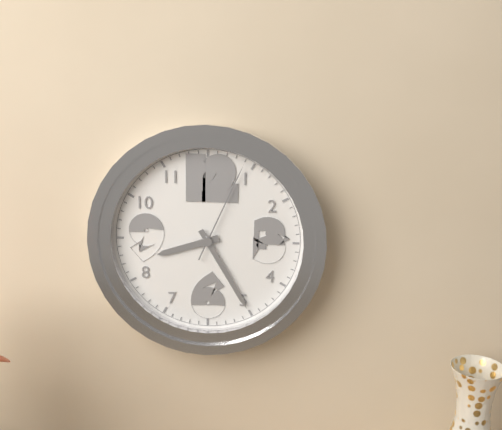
8:25:04
